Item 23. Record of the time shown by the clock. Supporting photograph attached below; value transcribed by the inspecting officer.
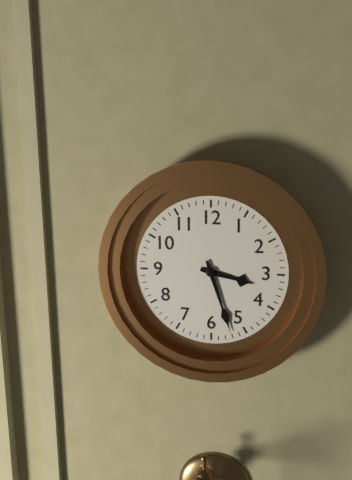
3:27
